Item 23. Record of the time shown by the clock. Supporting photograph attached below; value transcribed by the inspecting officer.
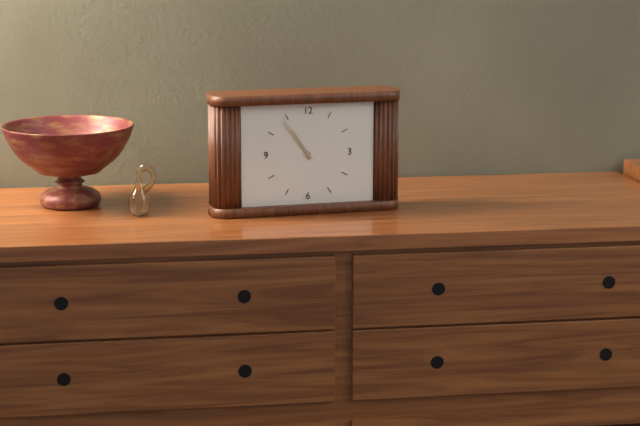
10:54
